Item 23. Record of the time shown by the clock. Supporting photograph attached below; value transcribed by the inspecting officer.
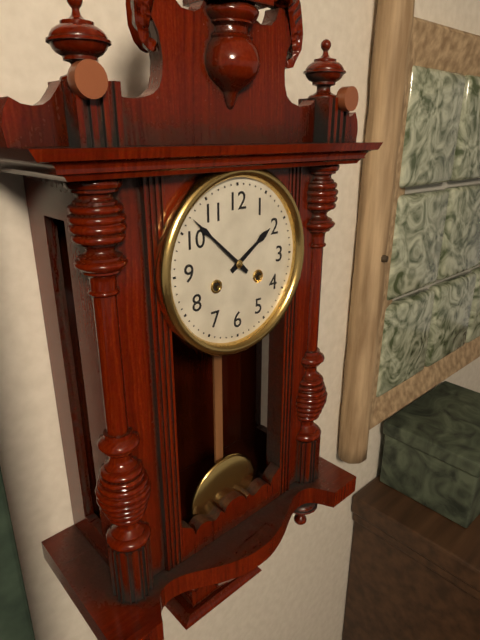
1:52
